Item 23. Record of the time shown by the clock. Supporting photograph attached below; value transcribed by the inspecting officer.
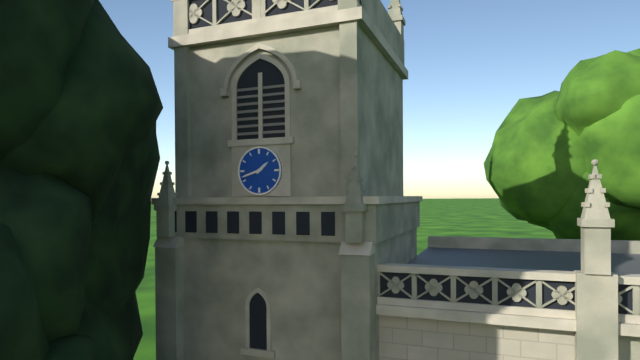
1:42
